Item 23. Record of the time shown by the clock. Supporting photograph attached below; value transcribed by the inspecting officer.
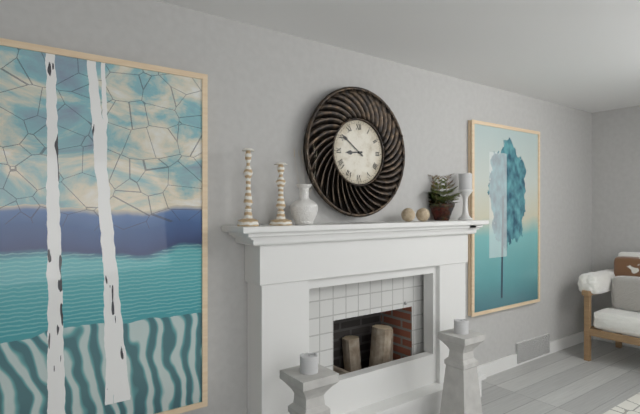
8:51
